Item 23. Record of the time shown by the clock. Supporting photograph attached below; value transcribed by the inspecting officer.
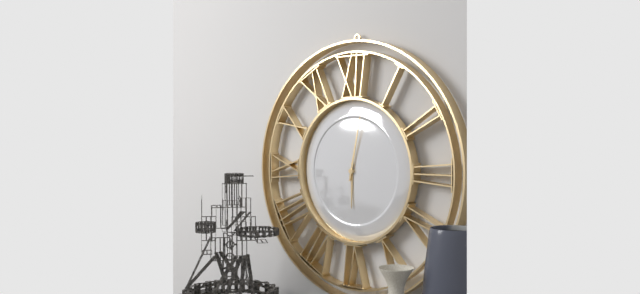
6:02
